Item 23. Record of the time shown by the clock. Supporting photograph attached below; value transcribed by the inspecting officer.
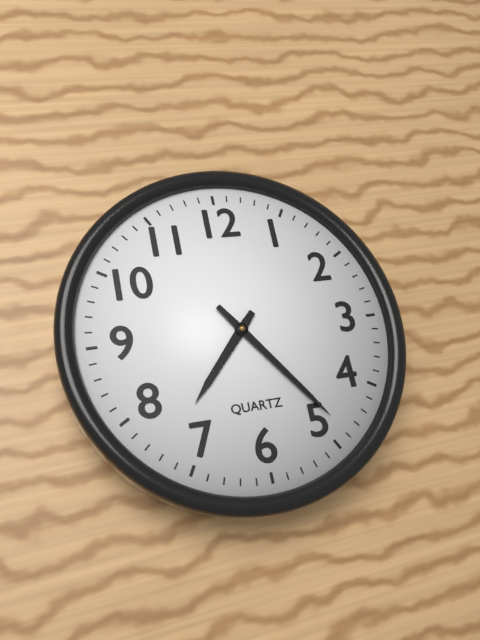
7:24
